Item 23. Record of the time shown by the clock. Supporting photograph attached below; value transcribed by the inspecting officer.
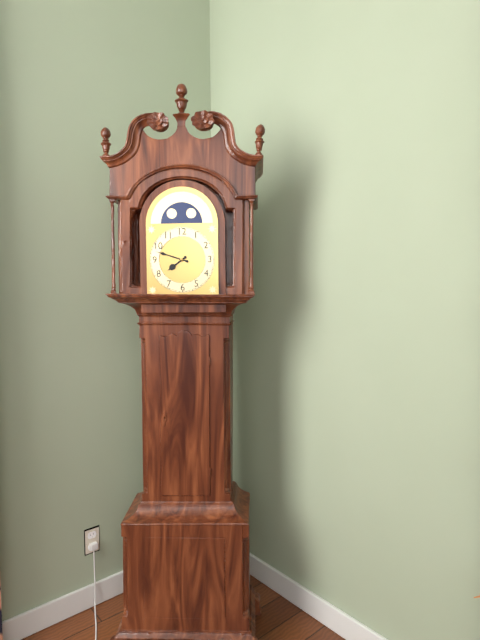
7:48
